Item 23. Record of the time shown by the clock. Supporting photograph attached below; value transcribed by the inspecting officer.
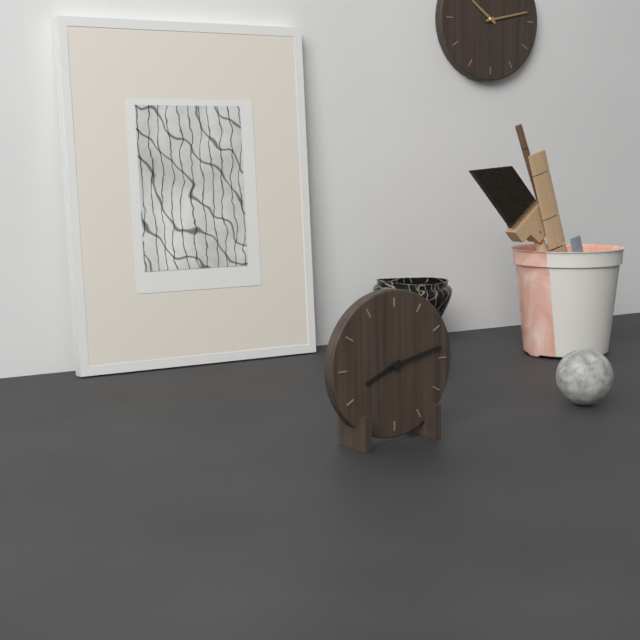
8:13
